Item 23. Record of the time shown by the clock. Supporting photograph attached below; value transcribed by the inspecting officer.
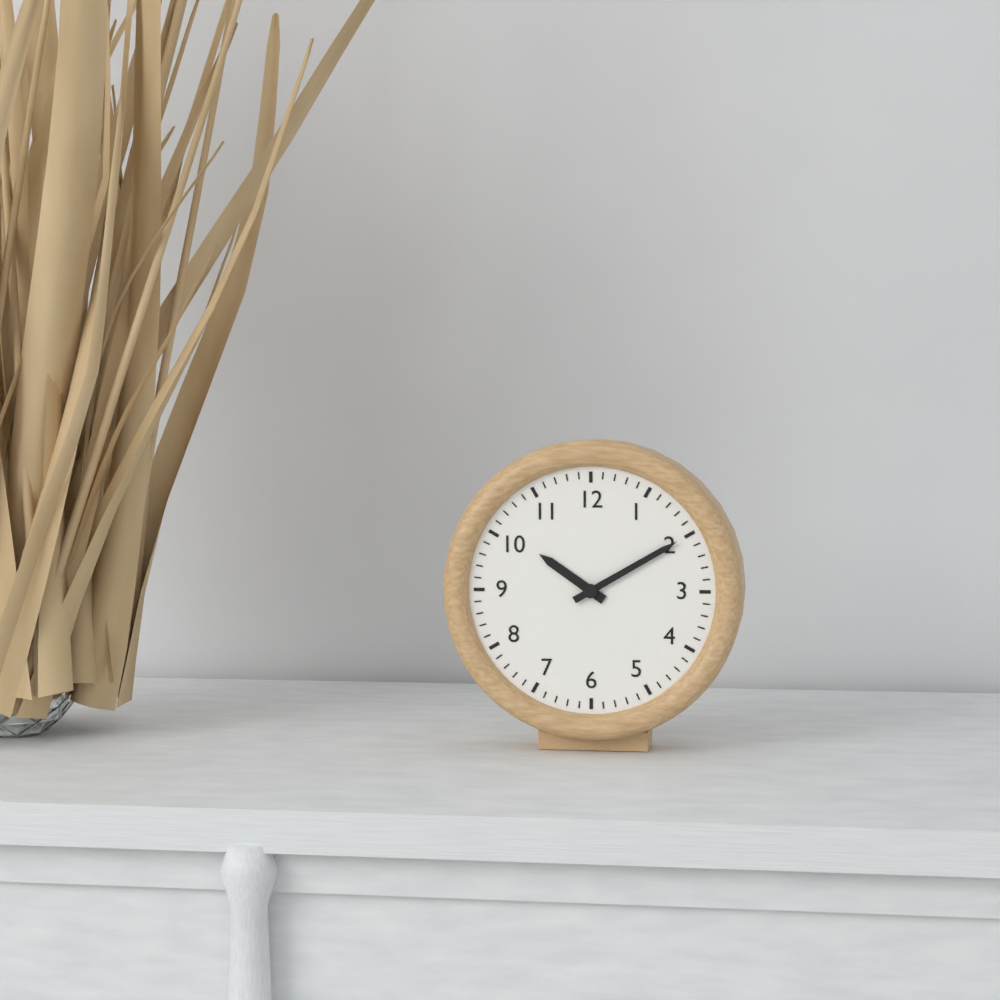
10:10
